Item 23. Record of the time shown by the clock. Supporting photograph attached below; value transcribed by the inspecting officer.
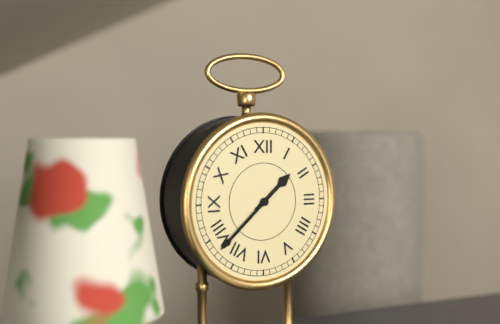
1:38
